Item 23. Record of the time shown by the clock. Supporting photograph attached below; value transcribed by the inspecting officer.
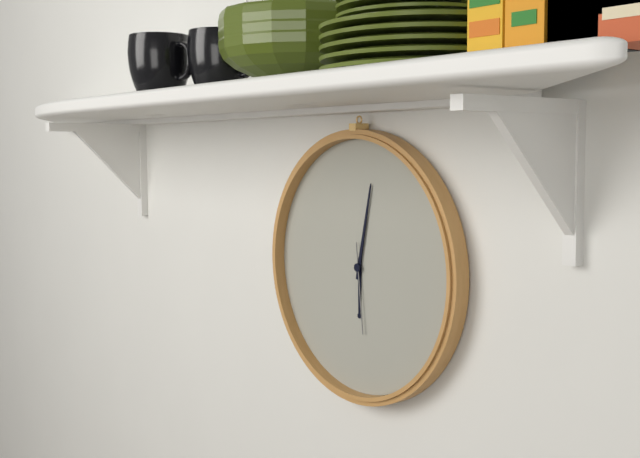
6:02:29
